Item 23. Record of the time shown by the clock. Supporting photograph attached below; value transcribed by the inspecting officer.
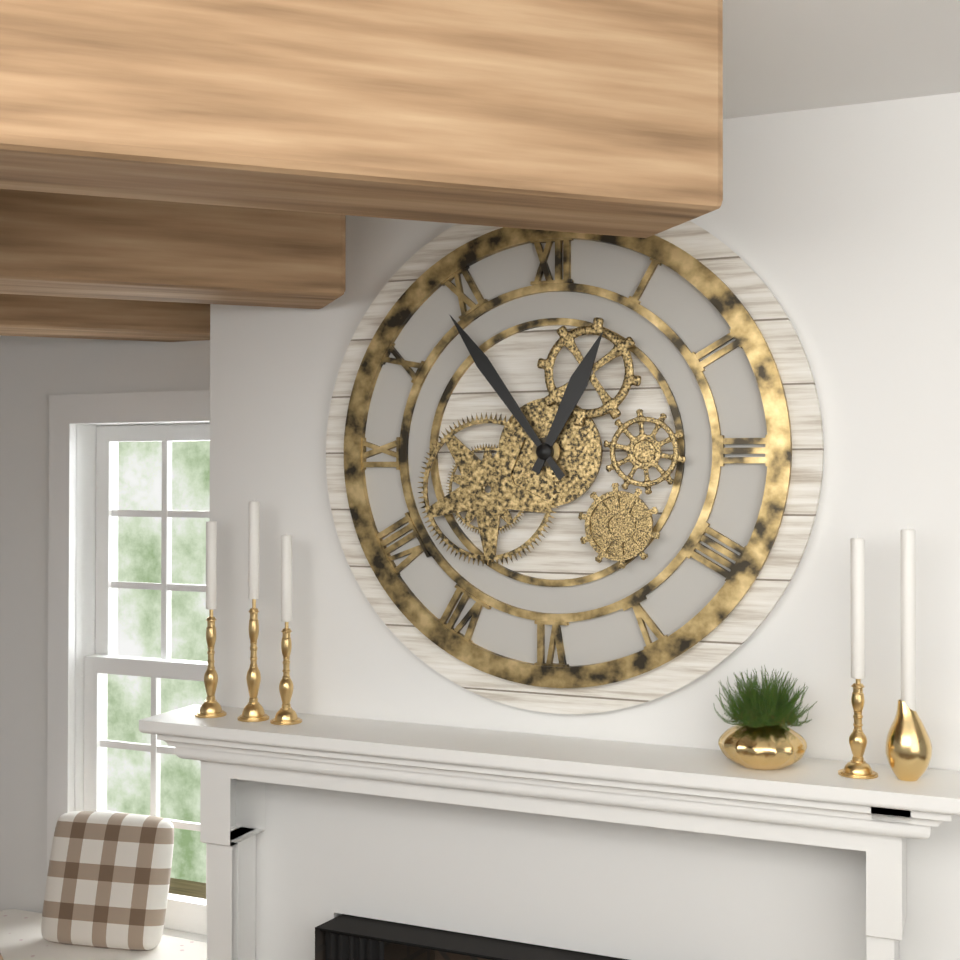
12:54
